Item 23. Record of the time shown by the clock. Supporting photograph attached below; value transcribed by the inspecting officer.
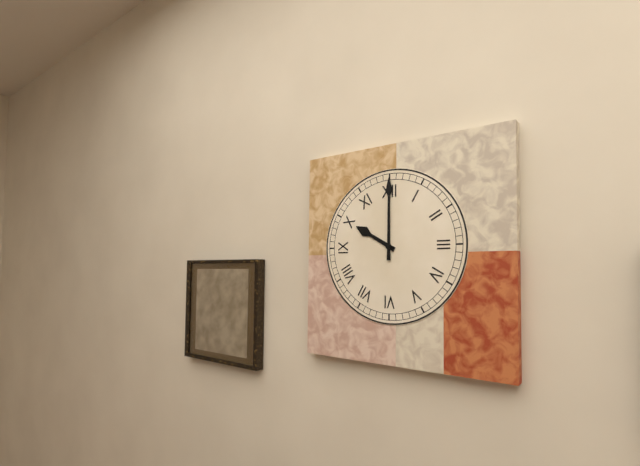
10:00
